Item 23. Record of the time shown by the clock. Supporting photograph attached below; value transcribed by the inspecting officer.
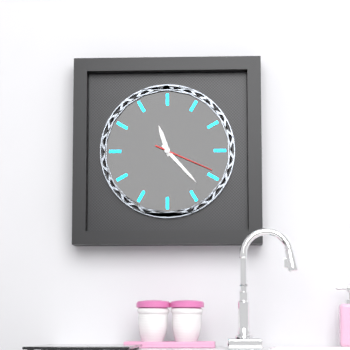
11:23:19
